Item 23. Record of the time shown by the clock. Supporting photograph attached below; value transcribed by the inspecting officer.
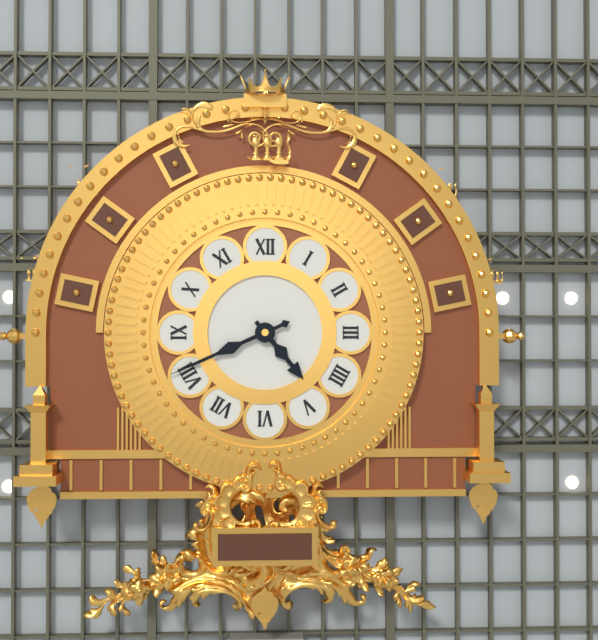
4:41
